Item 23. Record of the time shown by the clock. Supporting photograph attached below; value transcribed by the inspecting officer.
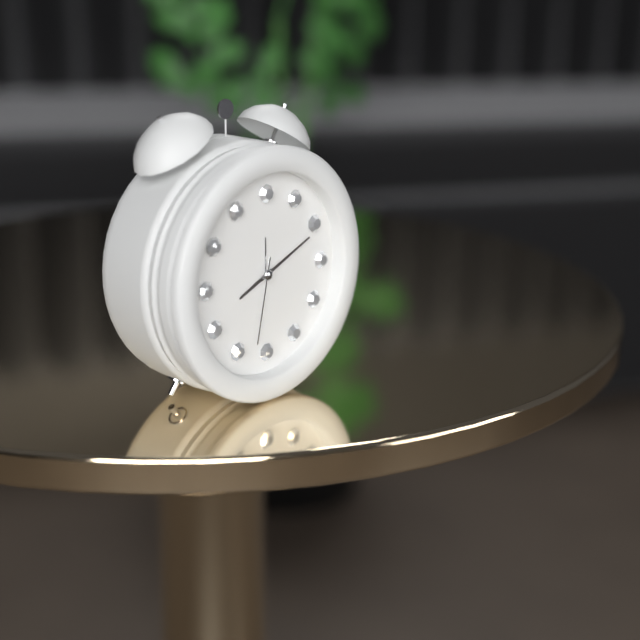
8:11:32
